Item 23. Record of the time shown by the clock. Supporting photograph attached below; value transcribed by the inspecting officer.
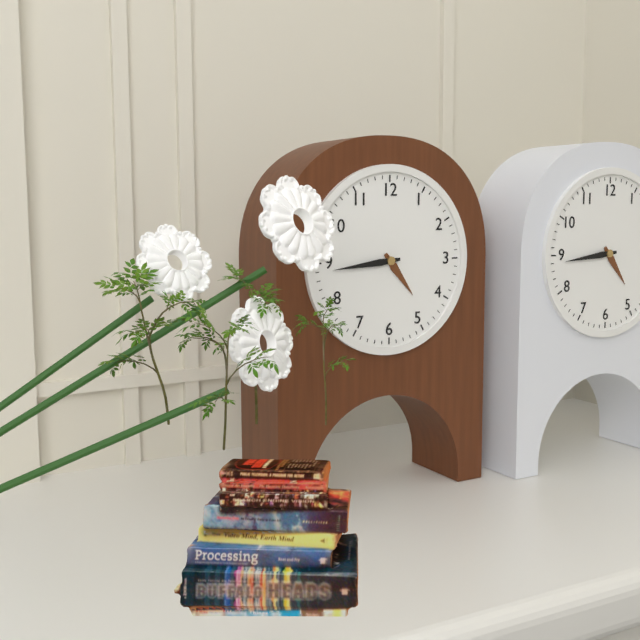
4:44
